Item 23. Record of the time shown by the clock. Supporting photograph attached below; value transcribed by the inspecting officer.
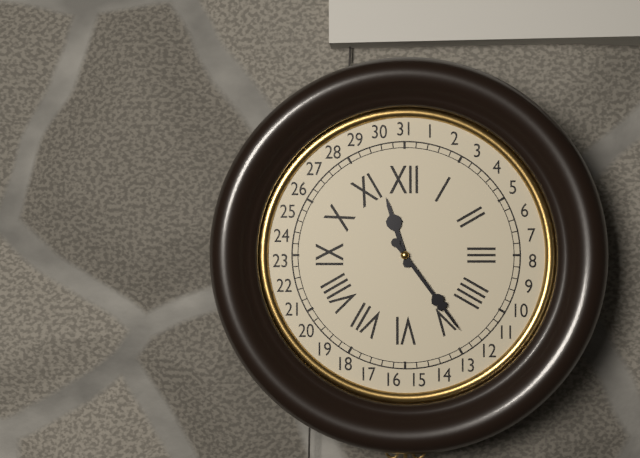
11:24
